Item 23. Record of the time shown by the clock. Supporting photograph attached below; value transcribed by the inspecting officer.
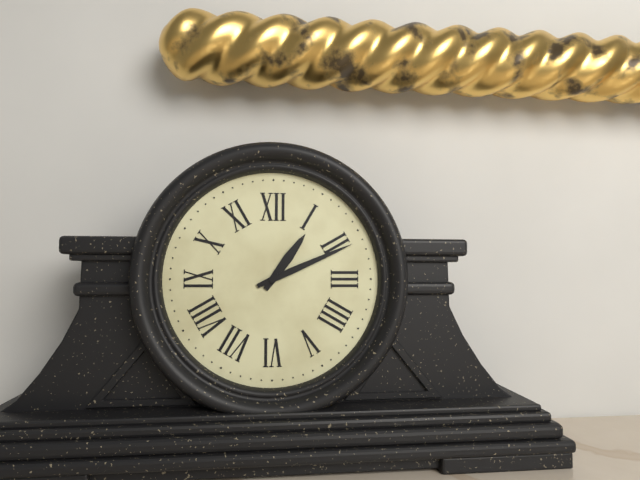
1:11
